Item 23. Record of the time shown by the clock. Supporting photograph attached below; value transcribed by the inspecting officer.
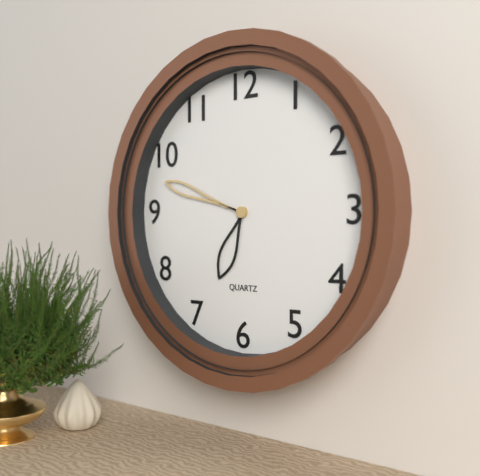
6:48
